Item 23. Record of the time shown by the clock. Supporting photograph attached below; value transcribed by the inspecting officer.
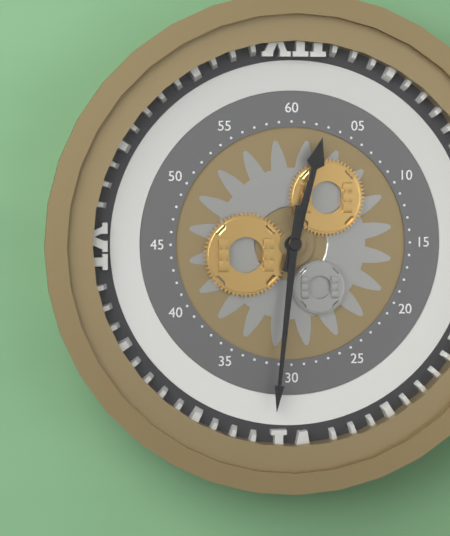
12:31
